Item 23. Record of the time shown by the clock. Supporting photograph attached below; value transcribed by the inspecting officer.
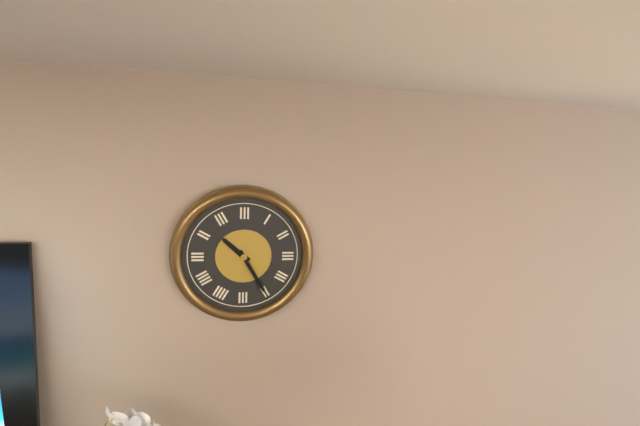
10:25
